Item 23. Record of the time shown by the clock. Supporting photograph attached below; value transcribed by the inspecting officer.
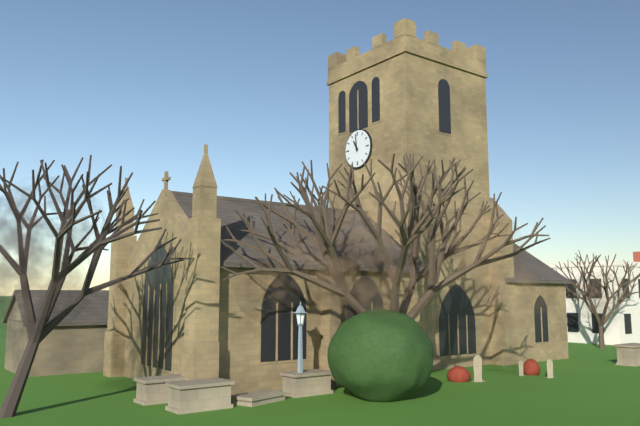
10:59
